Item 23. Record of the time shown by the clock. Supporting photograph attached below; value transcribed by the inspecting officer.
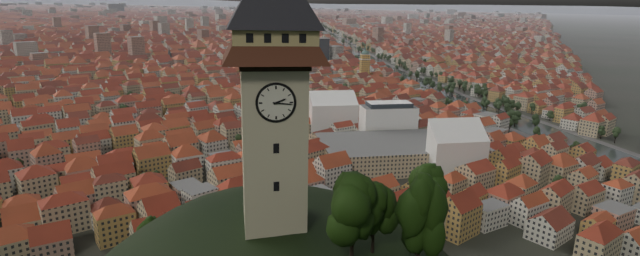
2:16
